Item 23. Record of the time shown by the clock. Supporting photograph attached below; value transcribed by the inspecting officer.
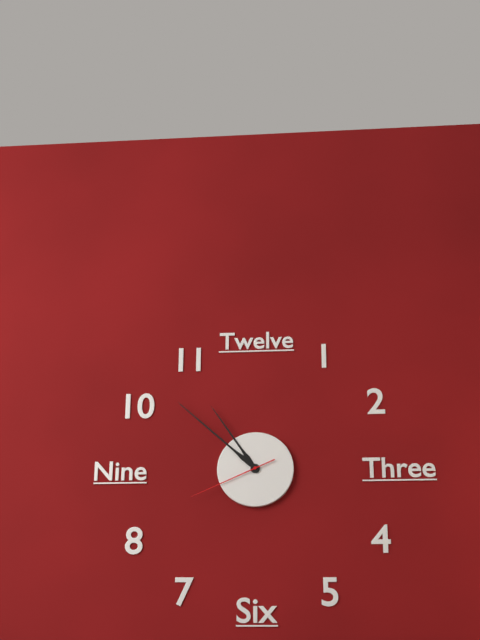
10:52:41
